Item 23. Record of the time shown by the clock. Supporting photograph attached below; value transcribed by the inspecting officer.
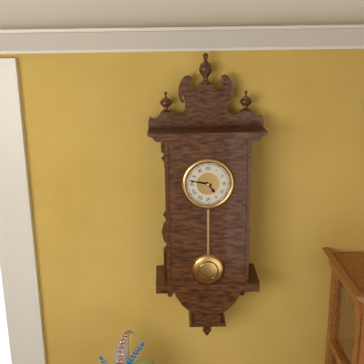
4:47
